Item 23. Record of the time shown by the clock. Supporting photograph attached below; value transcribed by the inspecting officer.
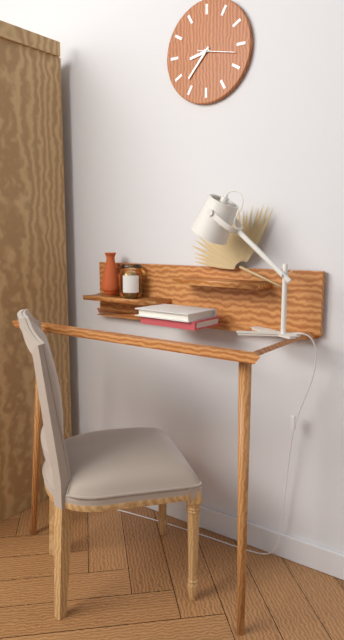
8:37
